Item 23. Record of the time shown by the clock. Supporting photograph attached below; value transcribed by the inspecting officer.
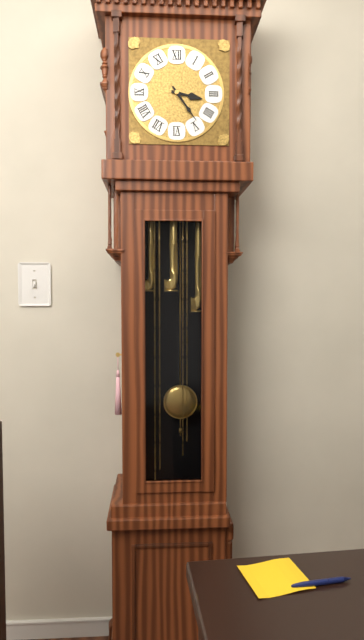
3:24
